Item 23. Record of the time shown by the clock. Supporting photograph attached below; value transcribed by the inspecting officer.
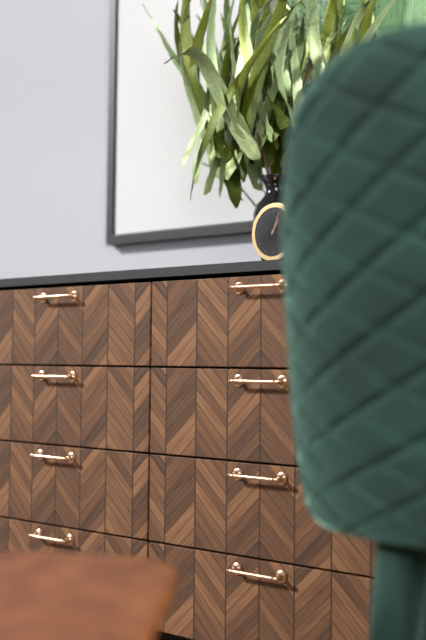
1:04
